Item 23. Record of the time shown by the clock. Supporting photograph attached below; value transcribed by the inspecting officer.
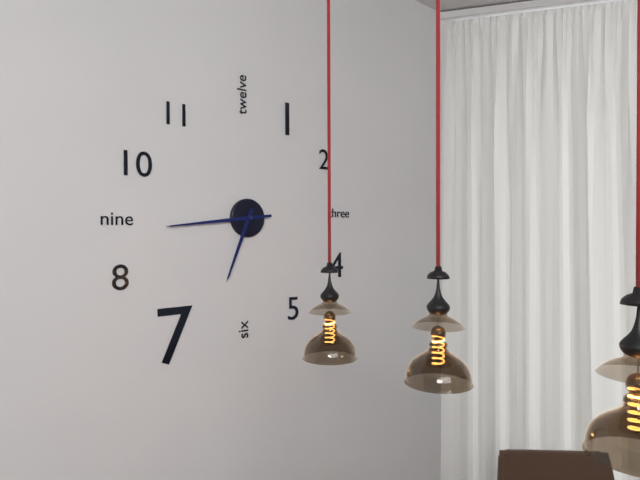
6:44
